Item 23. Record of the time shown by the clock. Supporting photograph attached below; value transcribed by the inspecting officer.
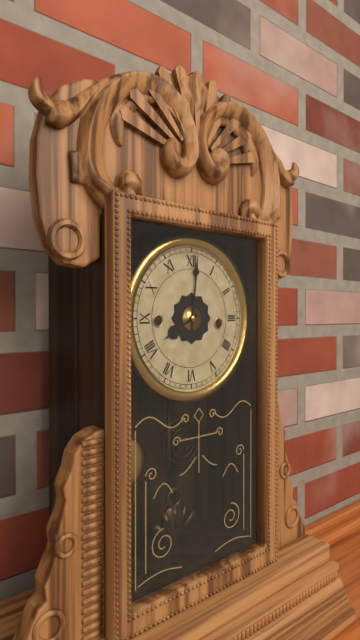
8:01
